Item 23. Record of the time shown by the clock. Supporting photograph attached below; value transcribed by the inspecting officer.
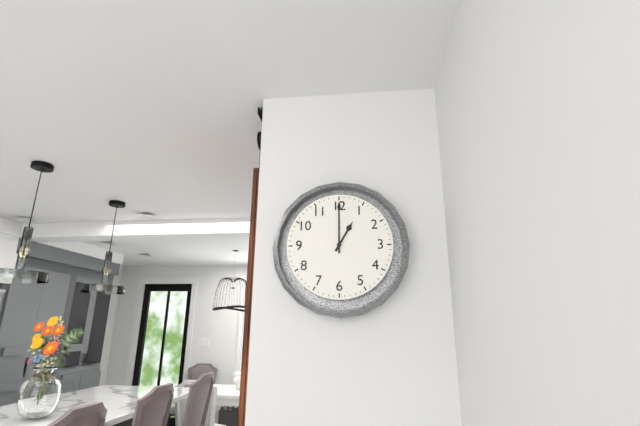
1:00
